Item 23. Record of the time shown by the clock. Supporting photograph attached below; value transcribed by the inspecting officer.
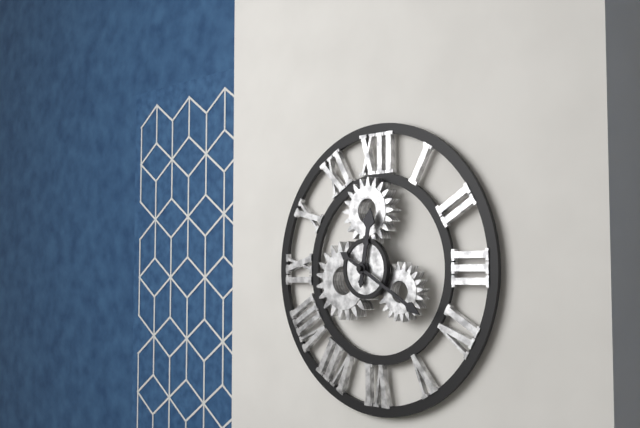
12:20
